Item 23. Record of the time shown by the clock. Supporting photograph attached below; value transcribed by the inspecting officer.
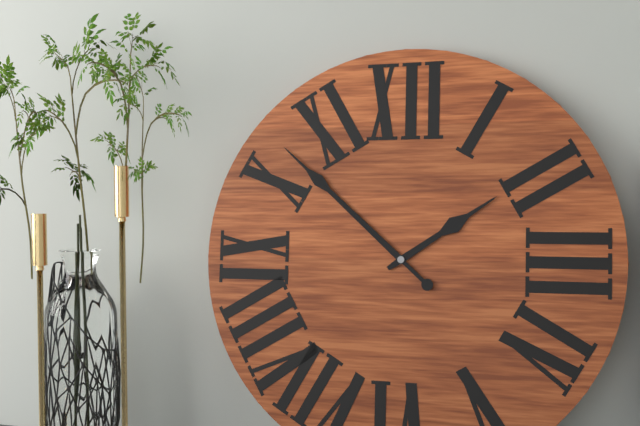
1:52
